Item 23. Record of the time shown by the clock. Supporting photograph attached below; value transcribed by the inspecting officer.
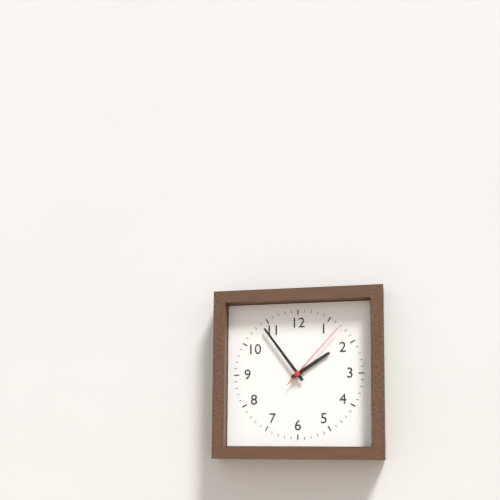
1:54:07
